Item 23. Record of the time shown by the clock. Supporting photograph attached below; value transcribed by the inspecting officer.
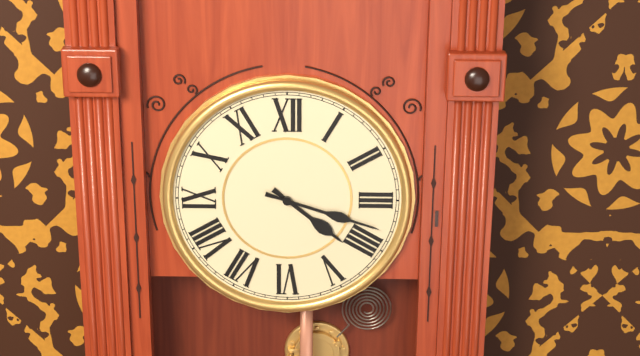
4:18
